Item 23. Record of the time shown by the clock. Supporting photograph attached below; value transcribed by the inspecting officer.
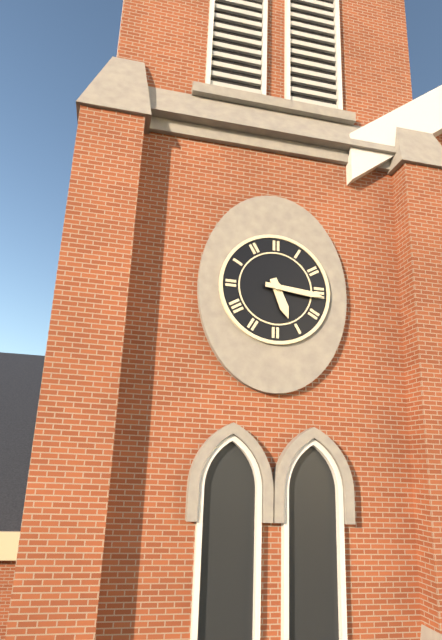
5:16
